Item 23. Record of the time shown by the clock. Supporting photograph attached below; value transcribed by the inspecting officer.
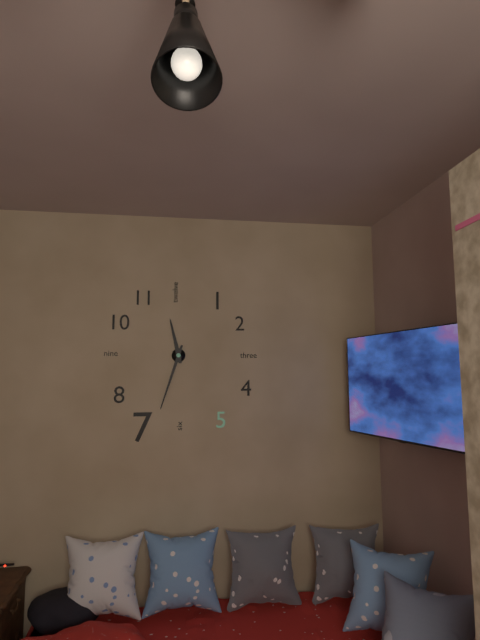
11:33
